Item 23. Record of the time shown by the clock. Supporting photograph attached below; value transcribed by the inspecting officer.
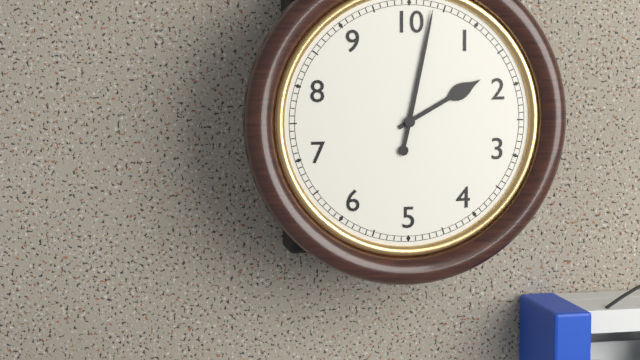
2:02
